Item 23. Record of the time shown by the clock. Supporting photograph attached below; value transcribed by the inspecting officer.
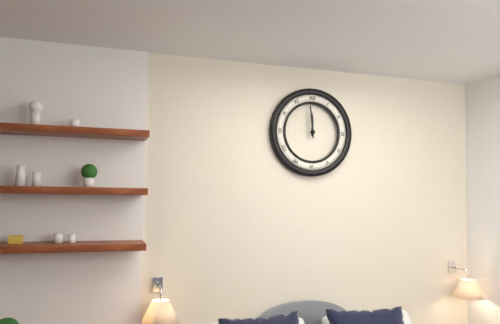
11:59
